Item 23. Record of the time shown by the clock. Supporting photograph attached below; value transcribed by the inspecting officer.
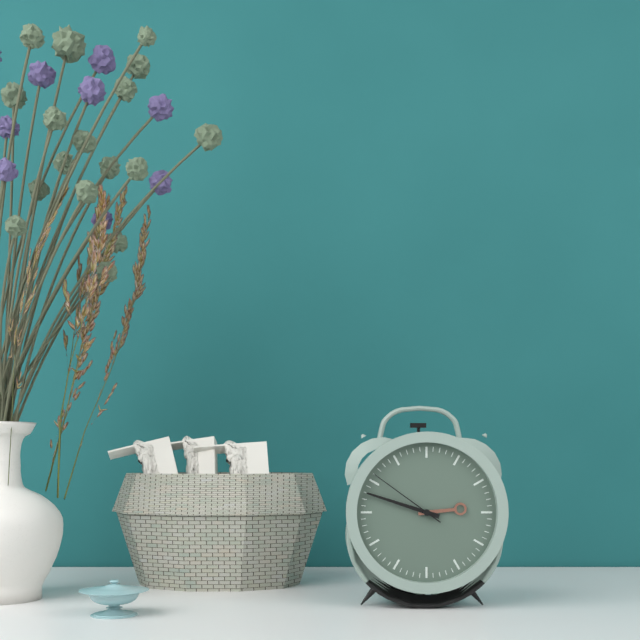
2:48:51
